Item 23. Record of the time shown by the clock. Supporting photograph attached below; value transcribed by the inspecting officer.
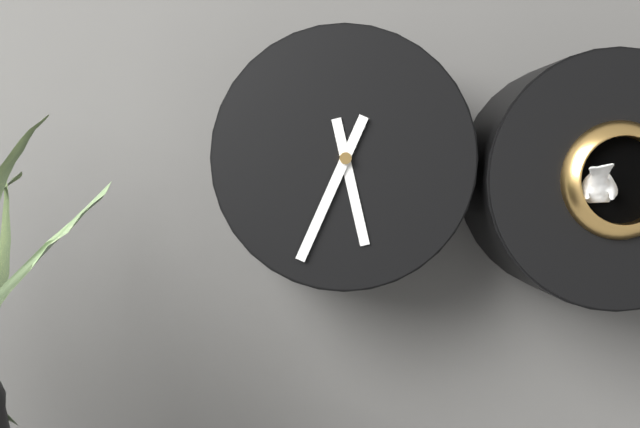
5:34
